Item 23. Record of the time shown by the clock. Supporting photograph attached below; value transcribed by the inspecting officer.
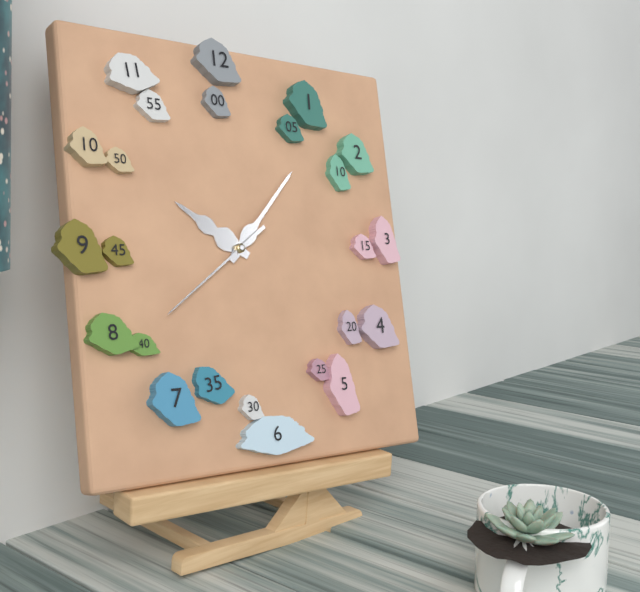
10:07:39
